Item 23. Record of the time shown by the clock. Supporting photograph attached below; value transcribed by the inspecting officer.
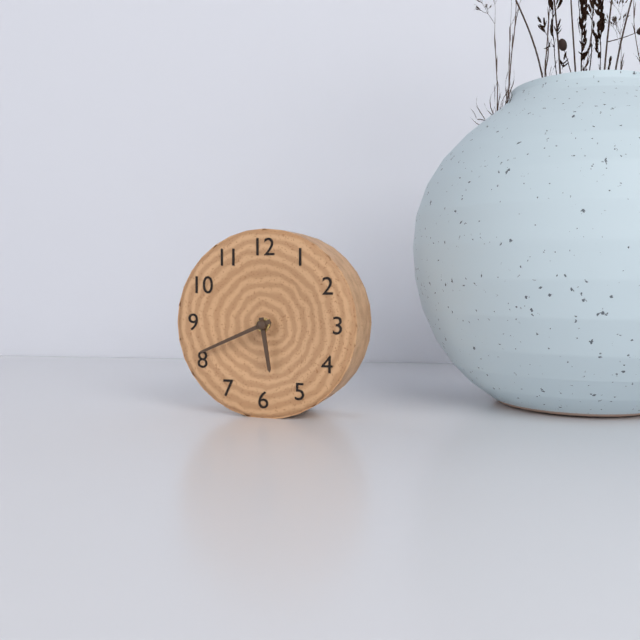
5:41
